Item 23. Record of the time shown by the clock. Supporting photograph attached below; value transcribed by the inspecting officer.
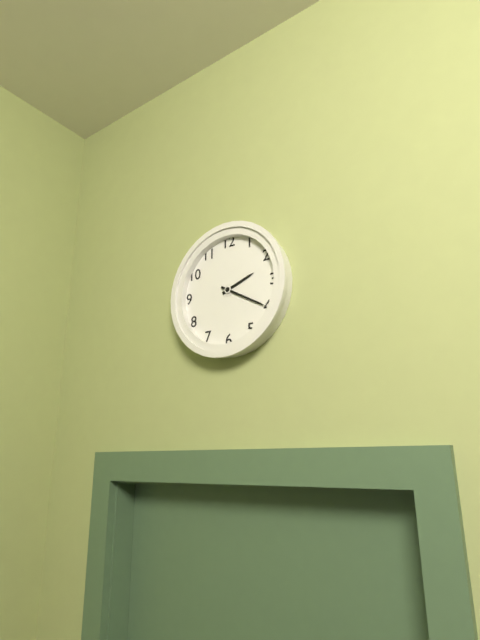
2:20
